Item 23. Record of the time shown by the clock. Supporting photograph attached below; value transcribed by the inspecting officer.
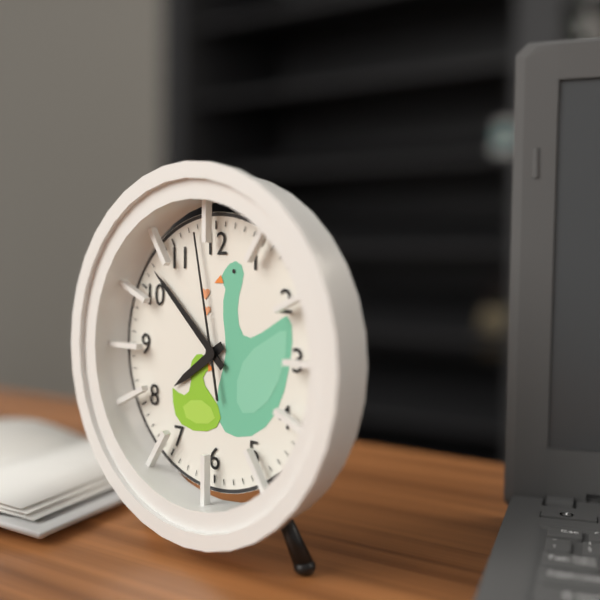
7:52:58
